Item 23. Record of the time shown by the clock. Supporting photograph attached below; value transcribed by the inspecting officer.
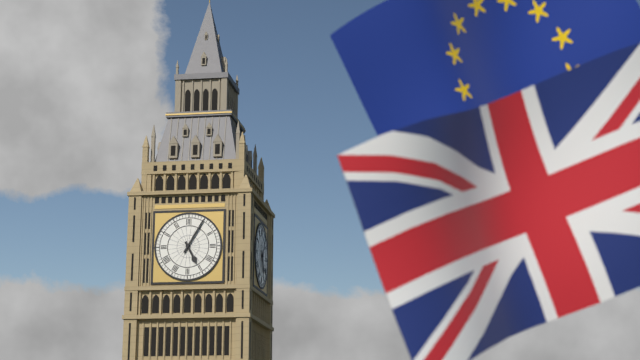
5:05
